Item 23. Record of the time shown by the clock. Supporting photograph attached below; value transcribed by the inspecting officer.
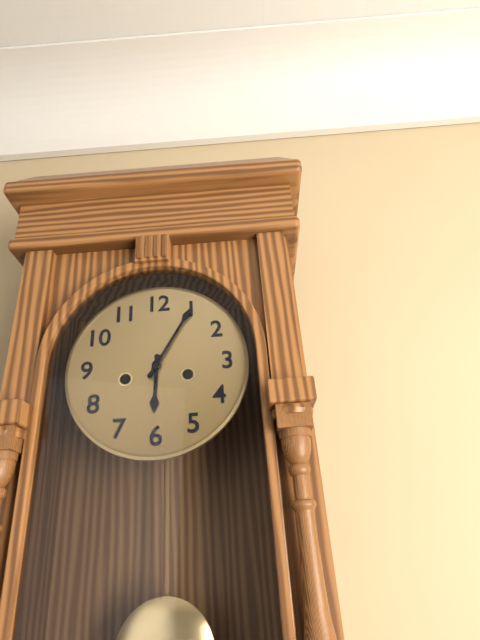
6:05
